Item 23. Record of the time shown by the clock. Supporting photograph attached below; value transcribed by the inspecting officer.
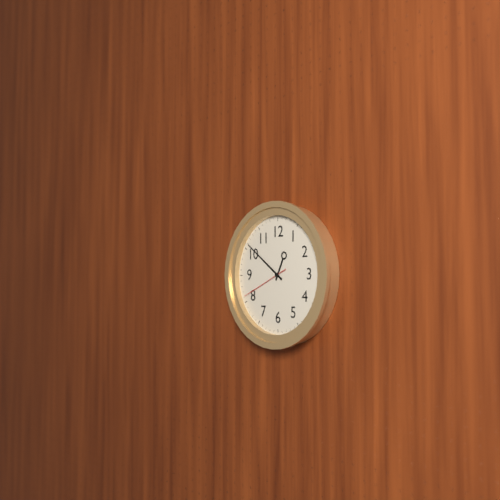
12:51
